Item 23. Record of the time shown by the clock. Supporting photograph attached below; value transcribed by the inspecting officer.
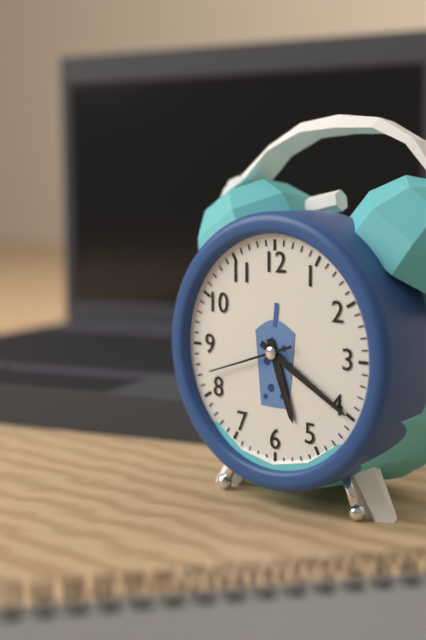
5:20:42
